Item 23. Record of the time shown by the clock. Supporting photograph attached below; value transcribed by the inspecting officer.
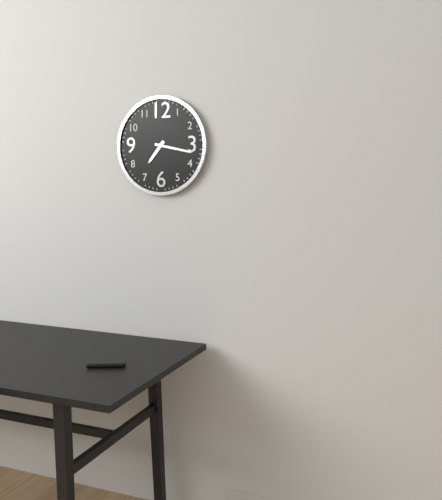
7:17
